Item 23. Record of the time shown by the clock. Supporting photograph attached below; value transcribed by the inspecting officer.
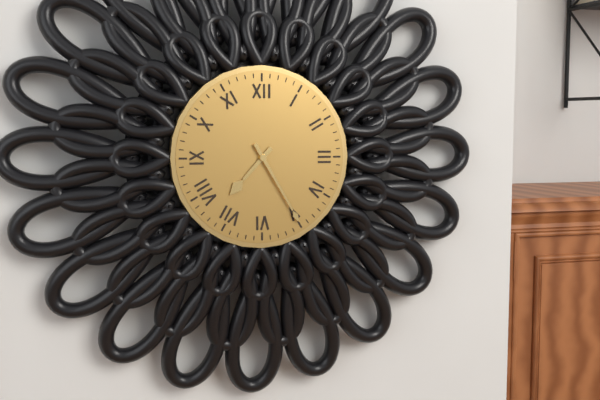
7:25
